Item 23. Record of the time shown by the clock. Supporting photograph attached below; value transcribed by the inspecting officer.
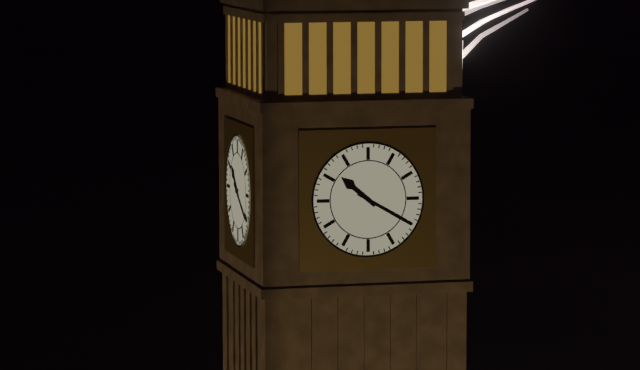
10:20
